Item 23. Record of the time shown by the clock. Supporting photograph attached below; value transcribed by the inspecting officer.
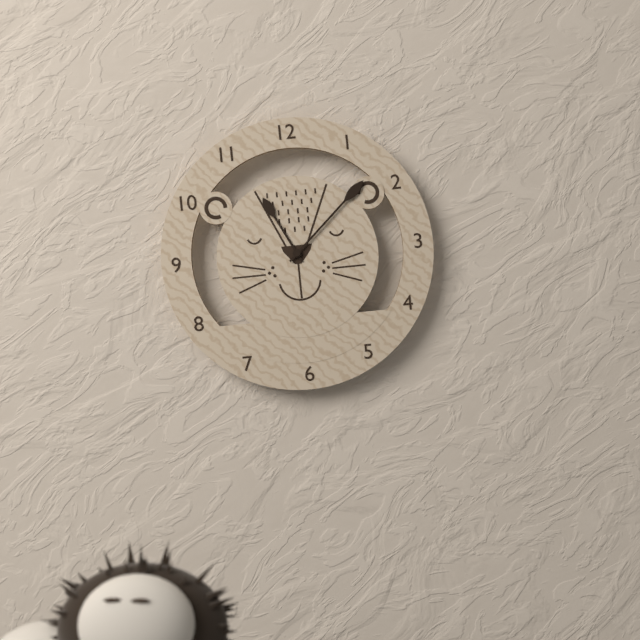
11:08
